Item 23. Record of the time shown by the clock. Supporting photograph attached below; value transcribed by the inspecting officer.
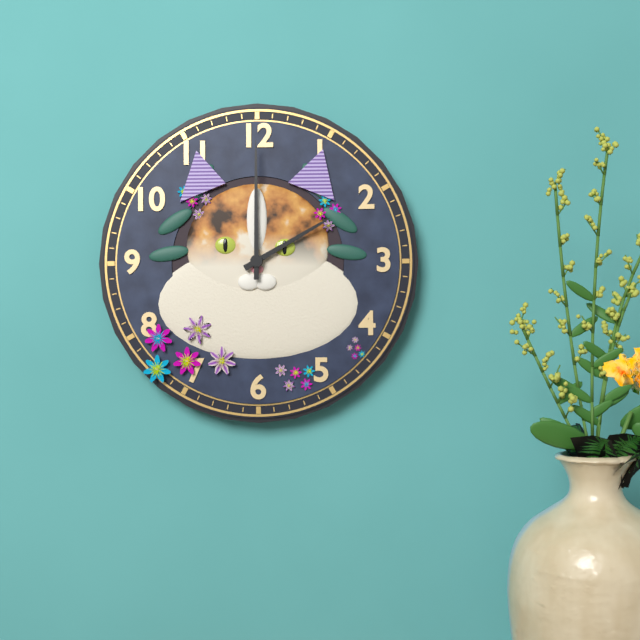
2:00
